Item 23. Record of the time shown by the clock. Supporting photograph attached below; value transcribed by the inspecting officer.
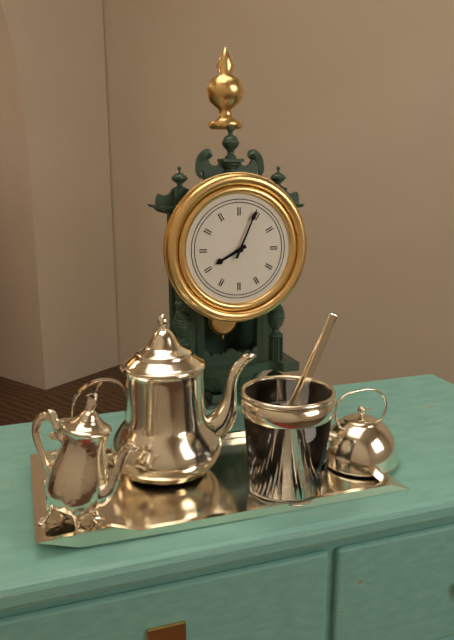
8:04
